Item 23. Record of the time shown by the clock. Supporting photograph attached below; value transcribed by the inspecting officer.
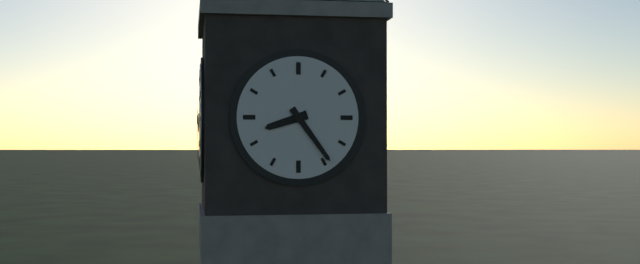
8:24
